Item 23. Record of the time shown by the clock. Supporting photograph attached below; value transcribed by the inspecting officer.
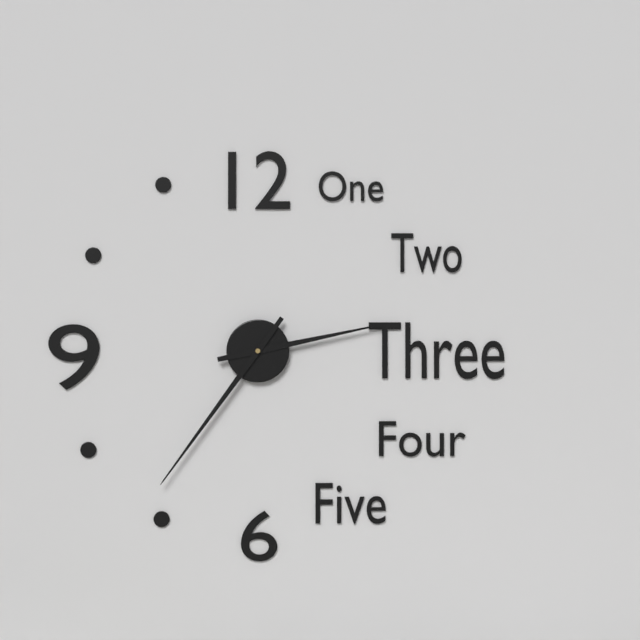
2:36
